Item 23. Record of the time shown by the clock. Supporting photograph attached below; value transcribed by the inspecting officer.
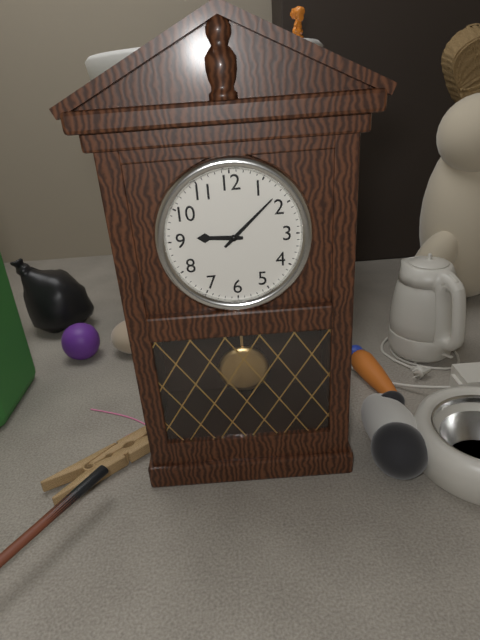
9:08
